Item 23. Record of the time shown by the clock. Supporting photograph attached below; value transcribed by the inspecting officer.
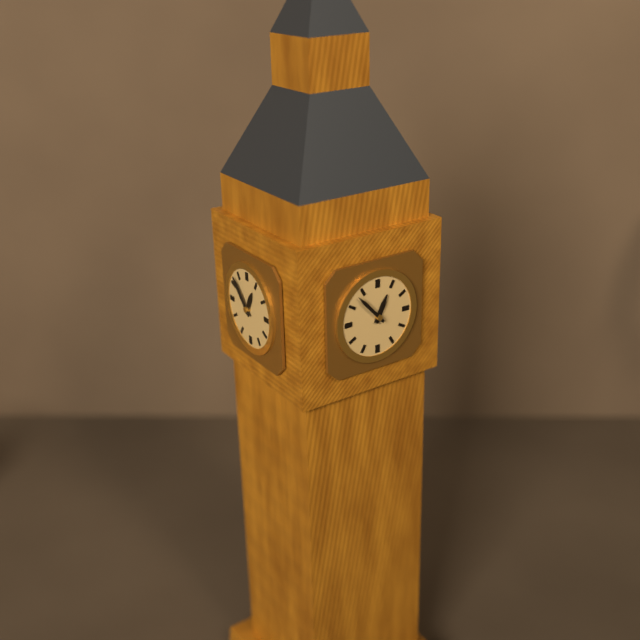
12:53
